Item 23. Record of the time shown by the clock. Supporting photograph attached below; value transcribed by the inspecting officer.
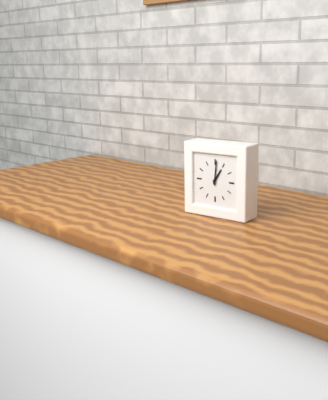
1:01
